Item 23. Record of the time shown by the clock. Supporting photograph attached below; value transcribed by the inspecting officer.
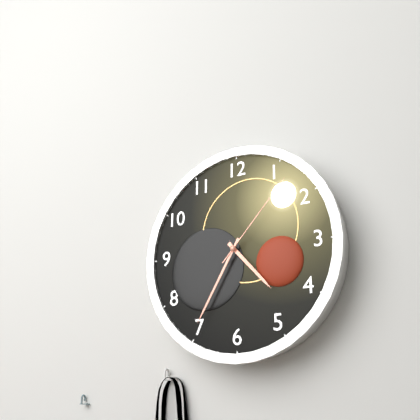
4:35:07
